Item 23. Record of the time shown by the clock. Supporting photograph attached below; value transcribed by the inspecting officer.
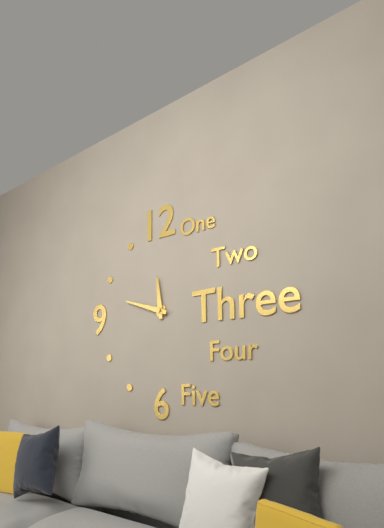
11:48
